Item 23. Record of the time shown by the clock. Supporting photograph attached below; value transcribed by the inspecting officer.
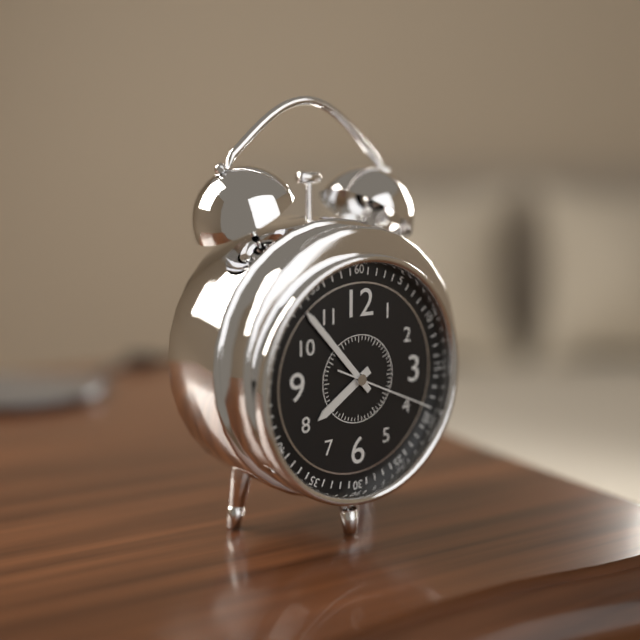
7:53:19
